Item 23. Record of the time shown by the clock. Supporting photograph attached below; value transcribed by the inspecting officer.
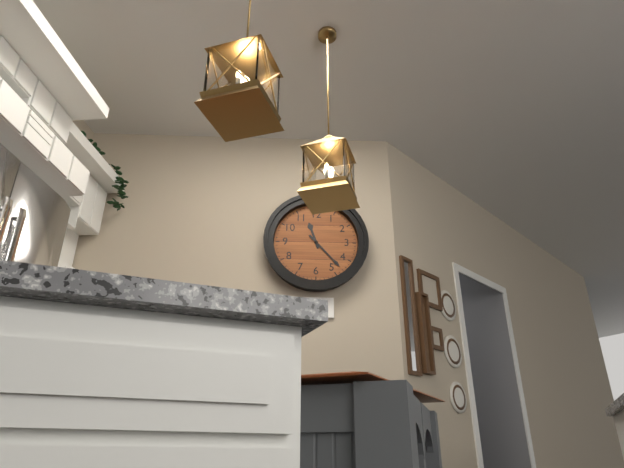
11:23
